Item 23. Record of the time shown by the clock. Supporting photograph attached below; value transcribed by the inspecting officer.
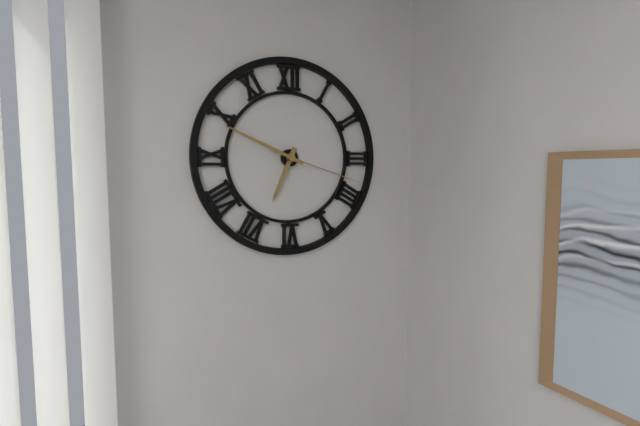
6:49:18
